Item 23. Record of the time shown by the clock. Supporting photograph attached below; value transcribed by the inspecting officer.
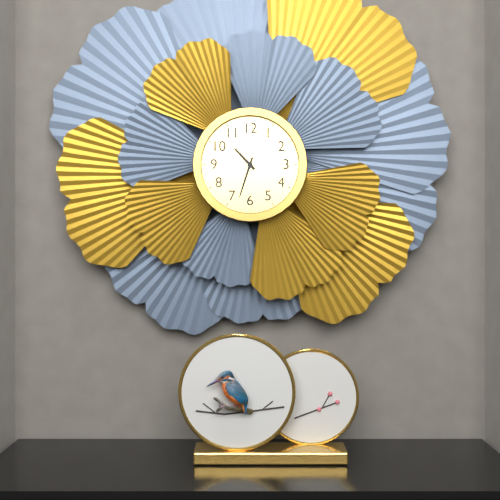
10:33
